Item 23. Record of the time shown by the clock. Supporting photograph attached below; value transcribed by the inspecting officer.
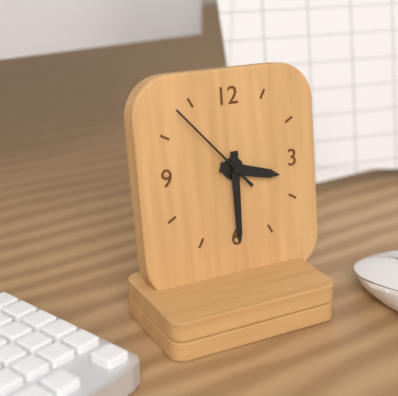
3:30:53
